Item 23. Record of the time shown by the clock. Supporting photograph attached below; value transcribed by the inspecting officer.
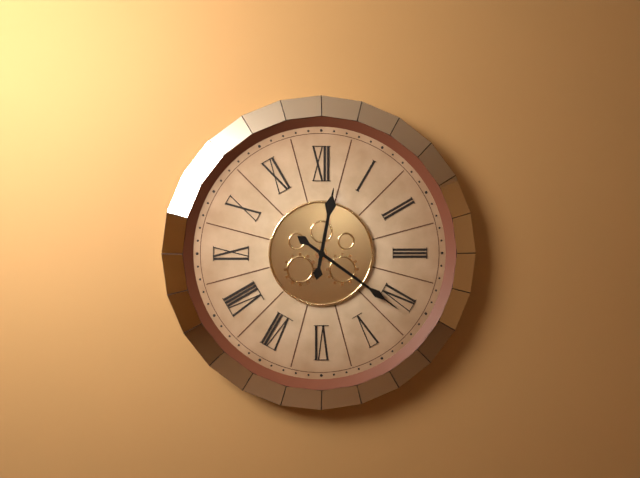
12:21
